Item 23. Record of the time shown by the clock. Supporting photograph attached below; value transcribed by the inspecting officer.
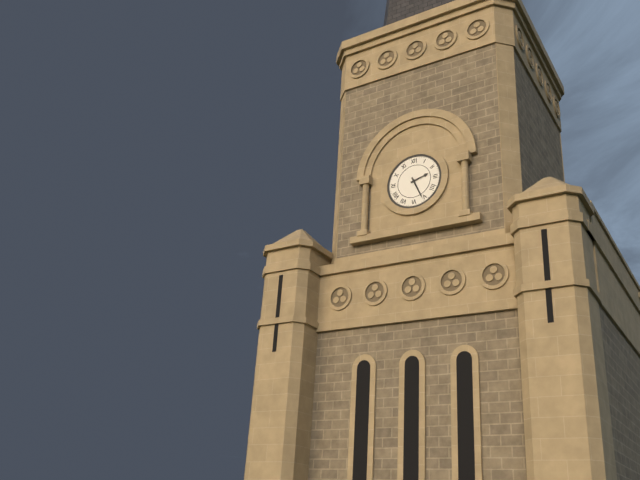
2:26
